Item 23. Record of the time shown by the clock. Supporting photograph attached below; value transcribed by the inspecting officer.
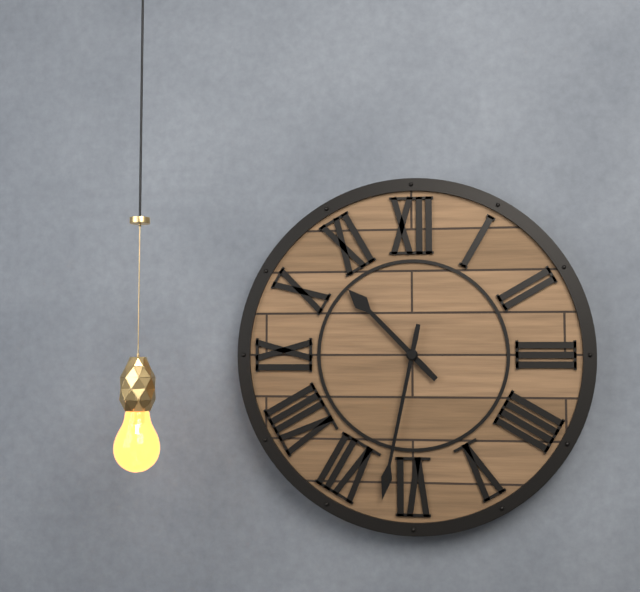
10:32
